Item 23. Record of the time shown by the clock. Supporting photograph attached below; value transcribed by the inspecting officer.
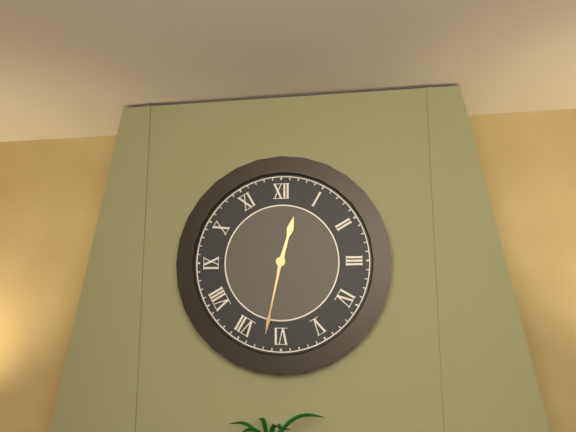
12:32
